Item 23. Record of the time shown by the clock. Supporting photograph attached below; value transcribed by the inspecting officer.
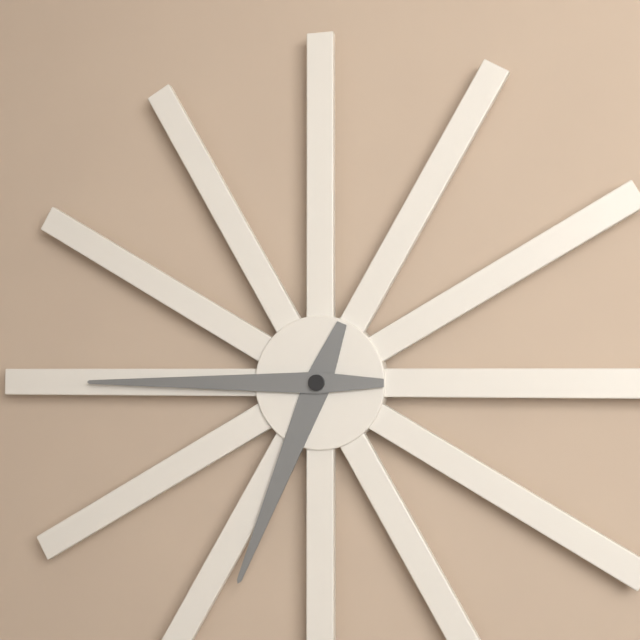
6:45
